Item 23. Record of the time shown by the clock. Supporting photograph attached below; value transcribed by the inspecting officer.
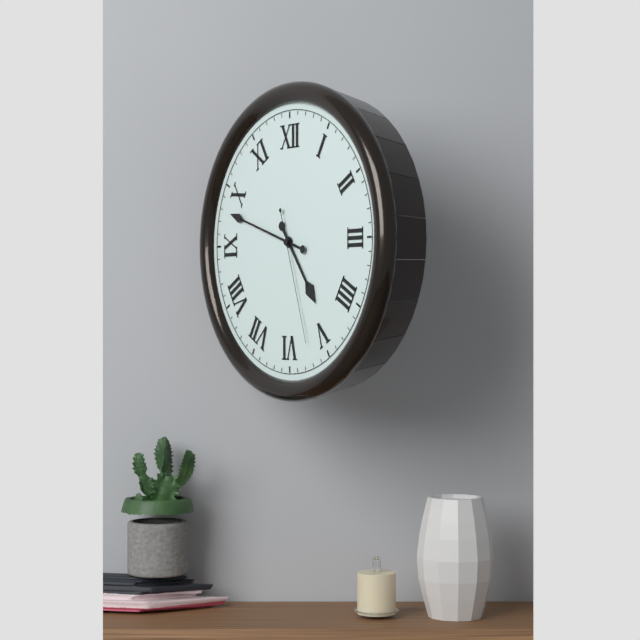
4:48:27
